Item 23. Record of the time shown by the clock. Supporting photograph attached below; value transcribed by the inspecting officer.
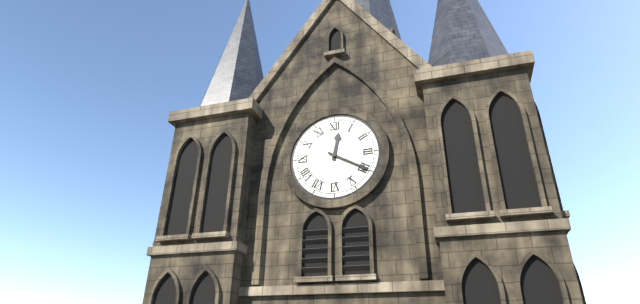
12:20
